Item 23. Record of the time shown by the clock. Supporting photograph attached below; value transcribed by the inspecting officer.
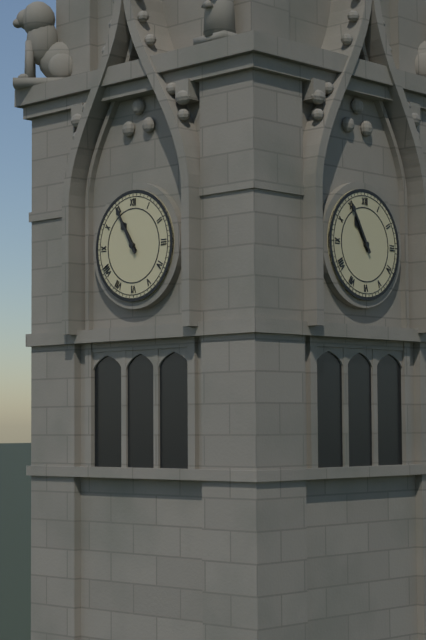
10:55
